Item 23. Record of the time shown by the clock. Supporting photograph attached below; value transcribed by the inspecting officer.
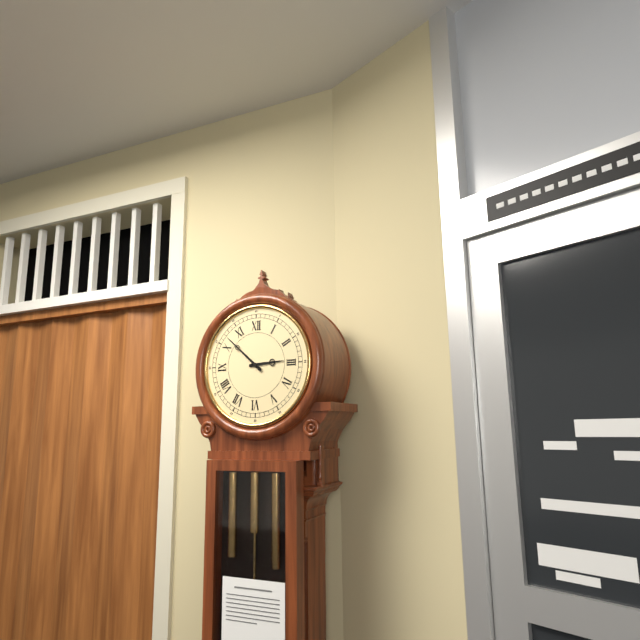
2:52
